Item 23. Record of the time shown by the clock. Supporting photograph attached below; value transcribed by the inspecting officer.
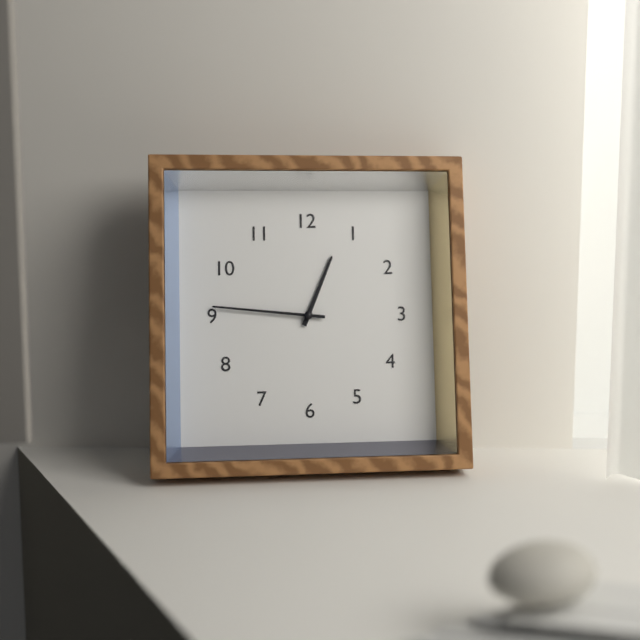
12:46
